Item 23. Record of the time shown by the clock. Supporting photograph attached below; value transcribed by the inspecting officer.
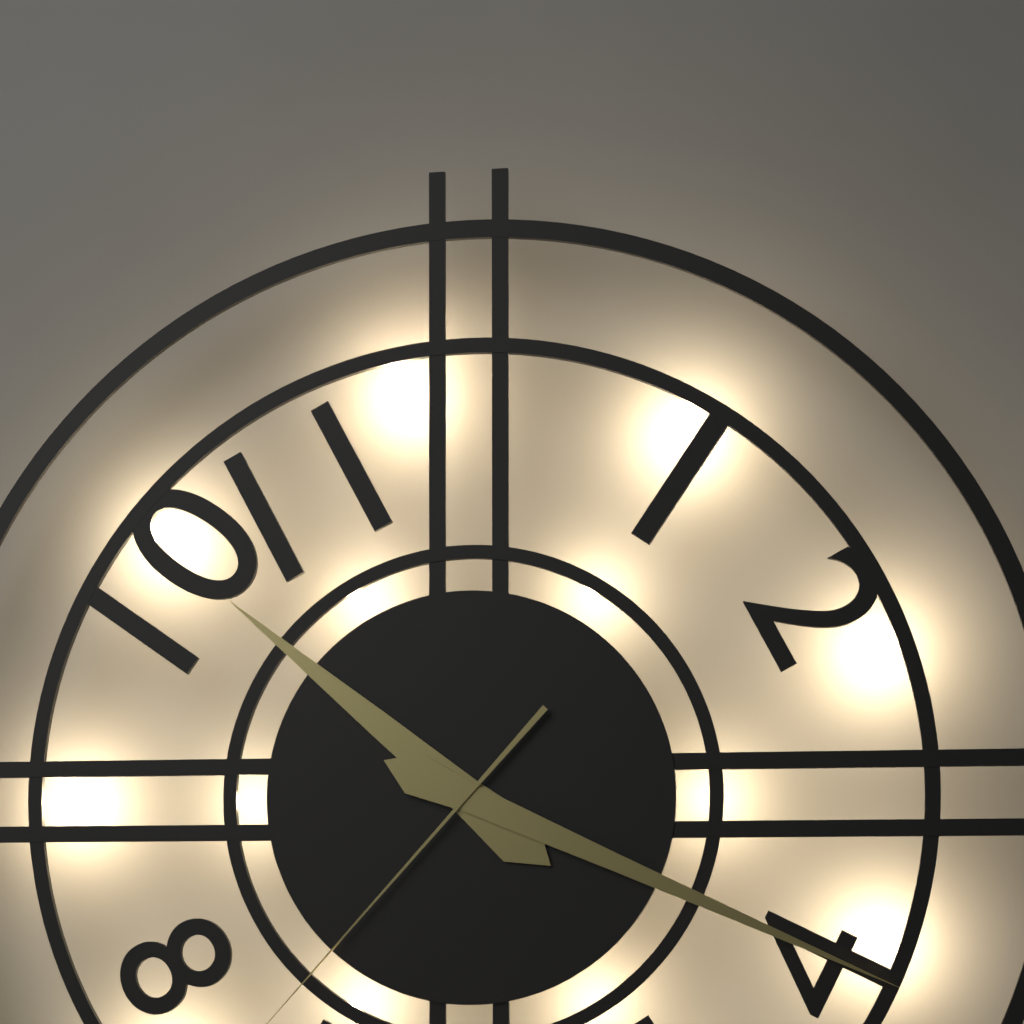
10:19
